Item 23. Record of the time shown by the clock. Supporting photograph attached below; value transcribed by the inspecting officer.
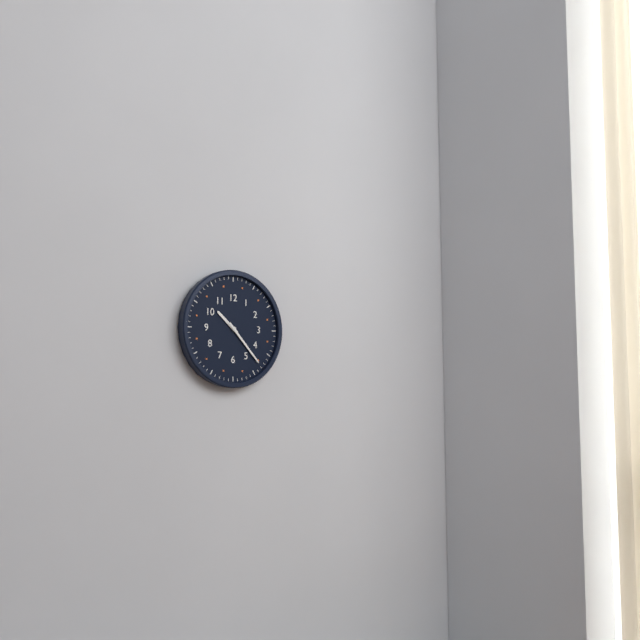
10:23
